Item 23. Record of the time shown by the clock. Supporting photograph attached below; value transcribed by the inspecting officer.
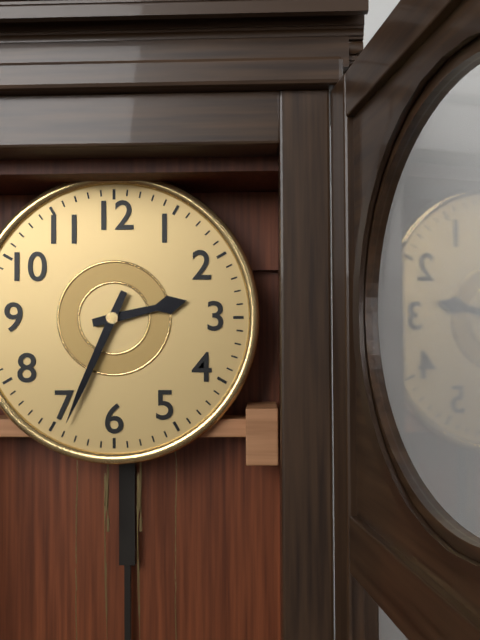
2:34
